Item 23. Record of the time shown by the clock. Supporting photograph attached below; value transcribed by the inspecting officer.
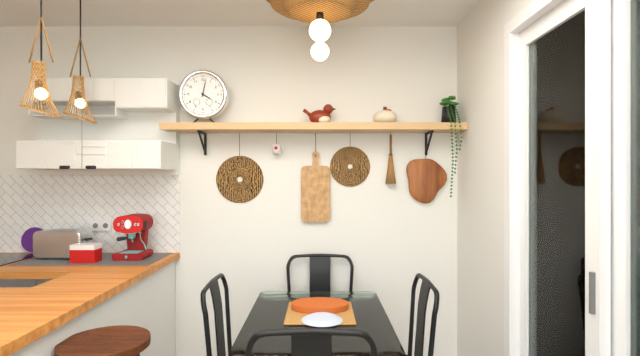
4:02
